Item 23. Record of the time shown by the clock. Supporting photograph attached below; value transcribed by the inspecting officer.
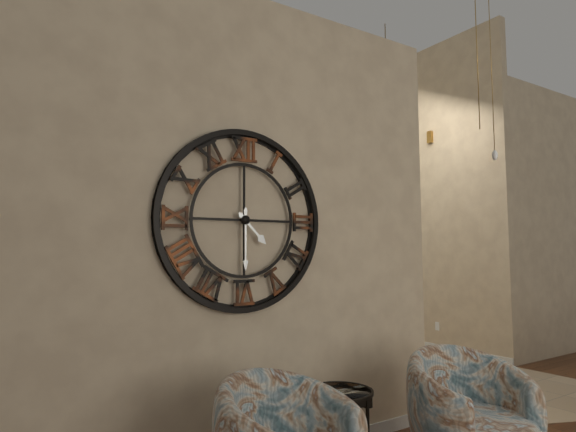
4:30
